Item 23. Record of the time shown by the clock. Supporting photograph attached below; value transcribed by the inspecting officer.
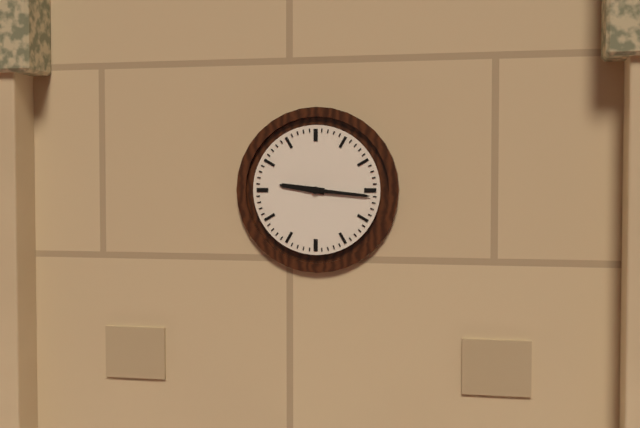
9:16
